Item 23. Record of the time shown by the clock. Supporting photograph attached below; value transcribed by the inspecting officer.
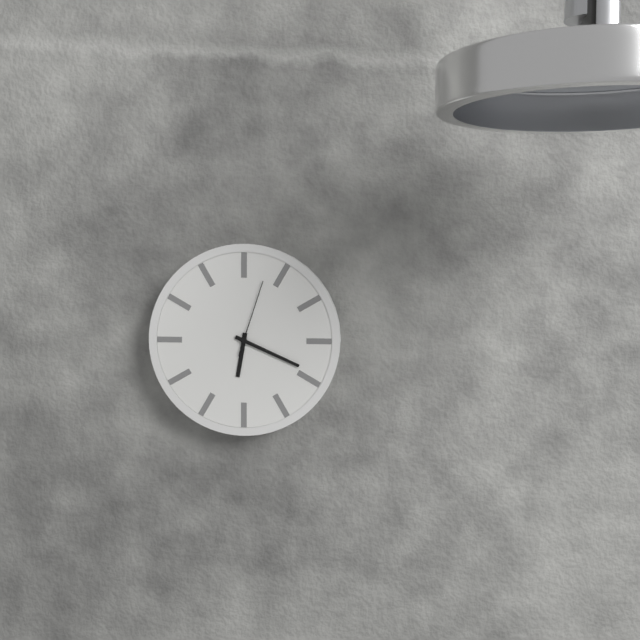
6:19:03
